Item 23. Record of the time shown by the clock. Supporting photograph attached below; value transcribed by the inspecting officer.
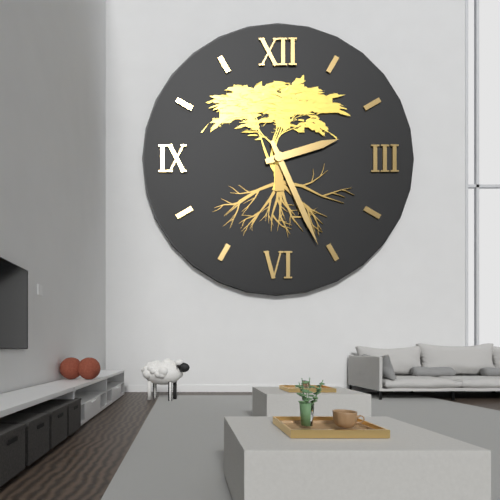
2:26
